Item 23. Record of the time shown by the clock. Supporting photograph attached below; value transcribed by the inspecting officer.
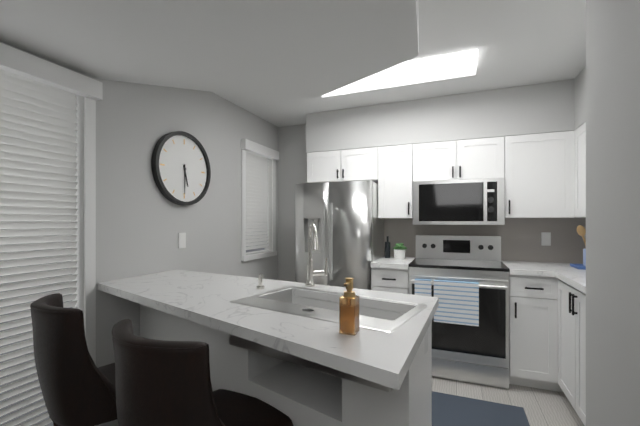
5:30
